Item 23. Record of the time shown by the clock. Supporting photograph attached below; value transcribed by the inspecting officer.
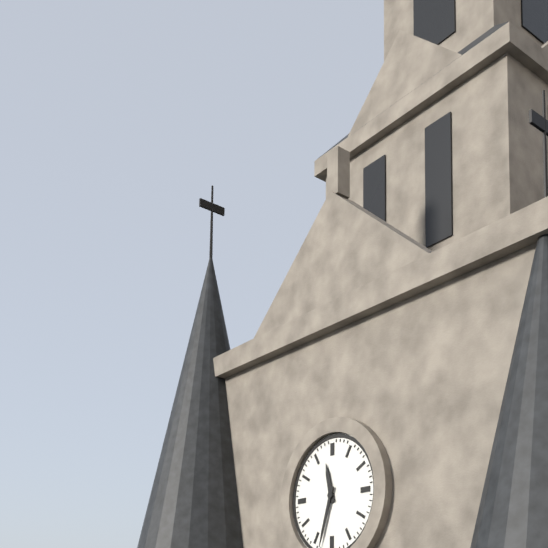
11:33
